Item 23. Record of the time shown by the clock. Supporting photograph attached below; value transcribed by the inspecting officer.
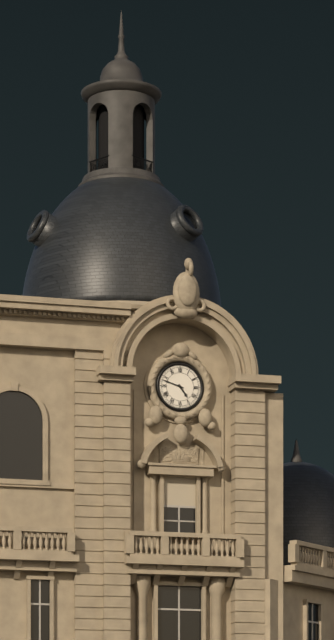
4:48
